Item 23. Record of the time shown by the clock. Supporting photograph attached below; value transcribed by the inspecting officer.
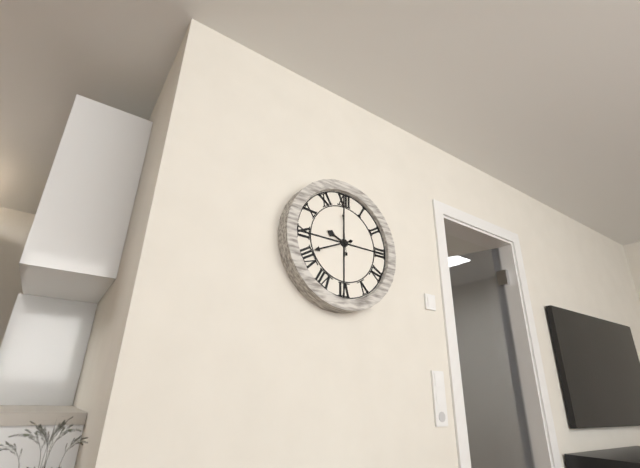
9:41
